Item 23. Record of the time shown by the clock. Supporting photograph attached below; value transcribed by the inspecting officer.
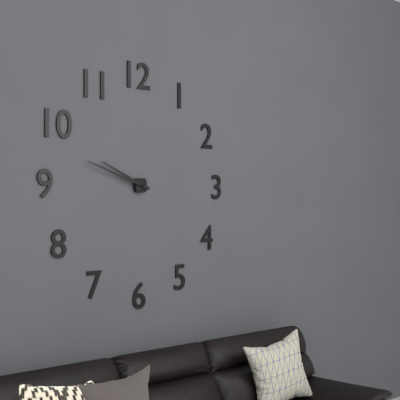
9:48
